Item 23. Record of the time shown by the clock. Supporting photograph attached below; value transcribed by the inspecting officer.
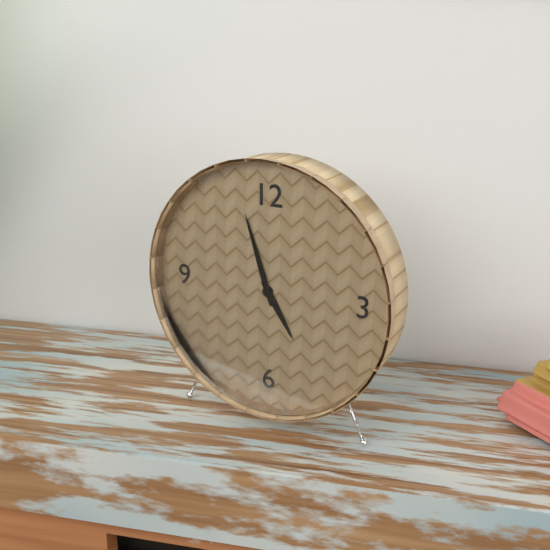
4:57
